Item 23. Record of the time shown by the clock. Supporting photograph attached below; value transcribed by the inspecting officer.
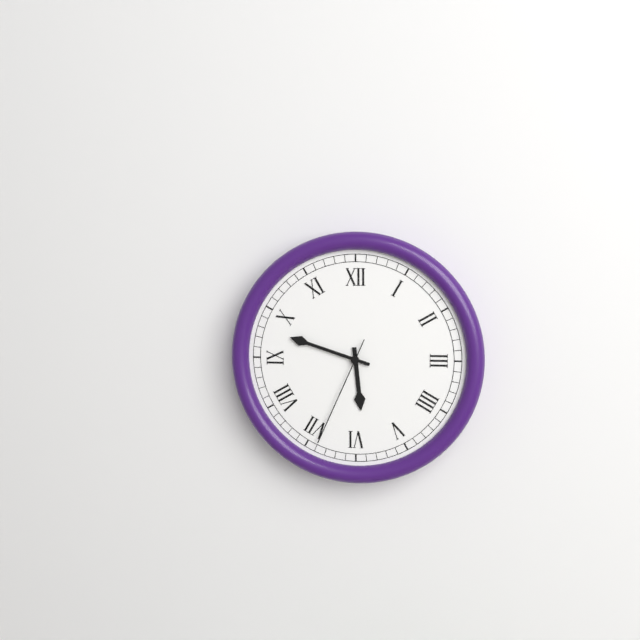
5:48:34
